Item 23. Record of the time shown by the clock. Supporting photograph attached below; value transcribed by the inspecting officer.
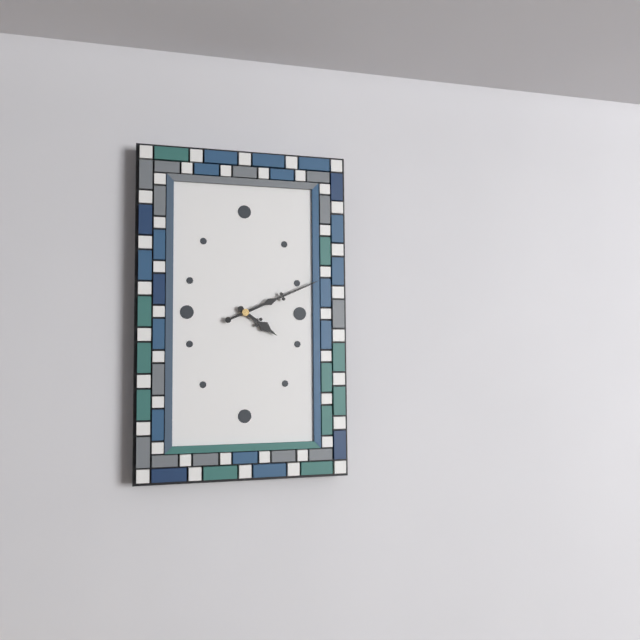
4:11
